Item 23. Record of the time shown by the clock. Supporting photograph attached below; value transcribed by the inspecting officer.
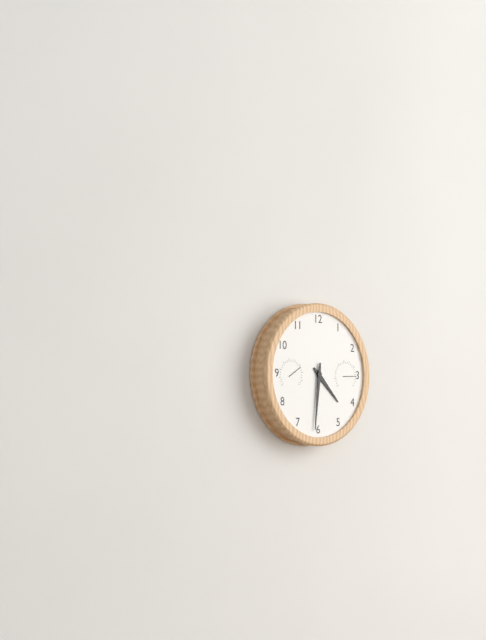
4:31
